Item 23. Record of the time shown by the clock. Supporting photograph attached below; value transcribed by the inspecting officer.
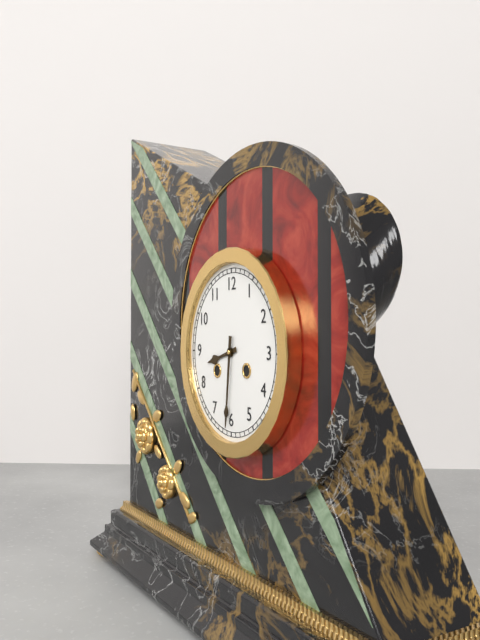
8:31
